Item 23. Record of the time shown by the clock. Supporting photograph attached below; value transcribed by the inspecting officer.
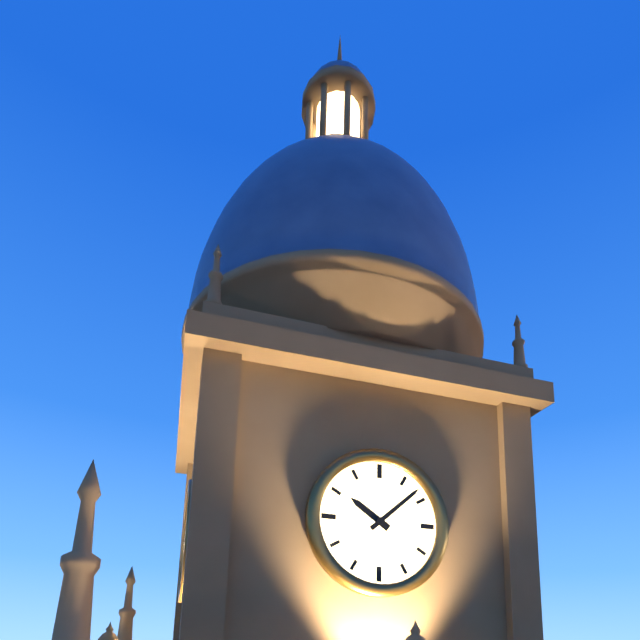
10:08
